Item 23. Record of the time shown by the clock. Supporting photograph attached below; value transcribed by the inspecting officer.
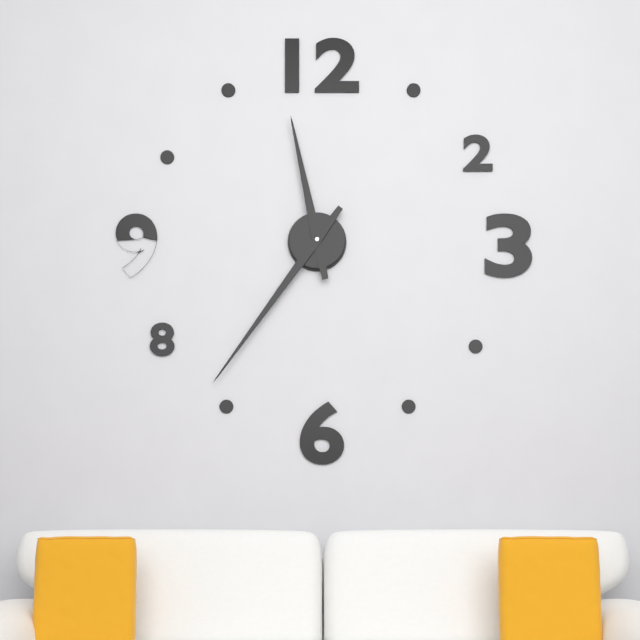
11:36
